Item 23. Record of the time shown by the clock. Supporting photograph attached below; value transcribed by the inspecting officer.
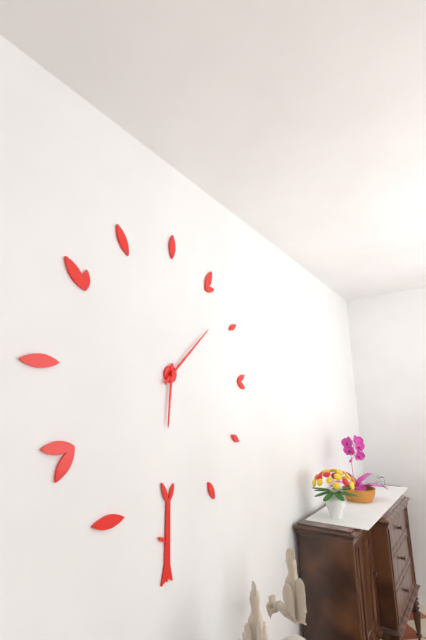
6:08
